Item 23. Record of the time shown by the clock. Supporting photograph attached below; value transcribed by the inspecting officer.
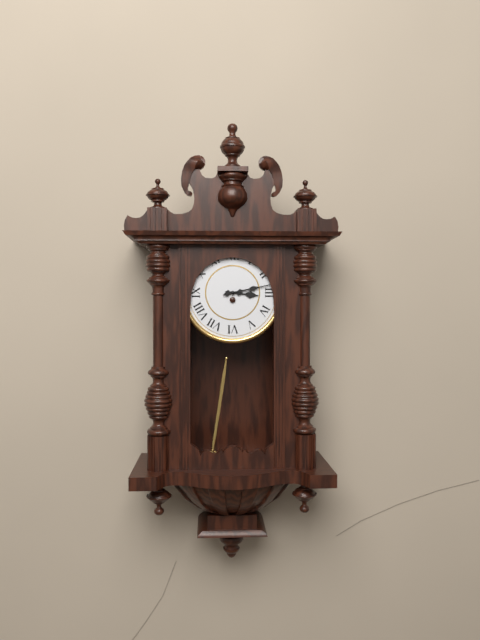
3:13
